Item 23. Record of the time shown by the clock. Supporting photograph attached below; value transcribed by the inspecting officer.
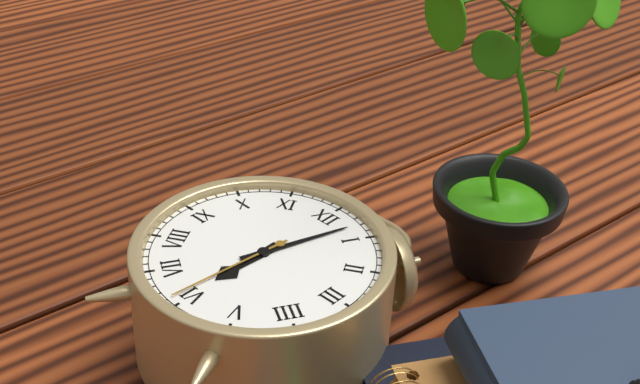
6:03:31
